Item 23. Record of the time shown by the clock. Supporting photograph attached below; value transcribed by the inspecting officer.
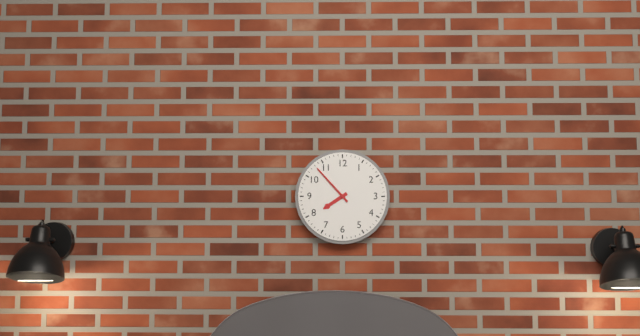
7:53
